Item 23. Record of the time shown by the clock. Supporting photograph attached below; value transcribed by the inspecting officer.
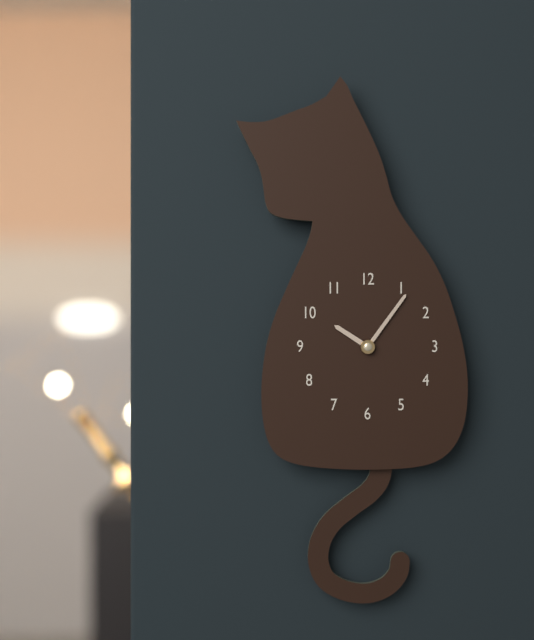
10:06
